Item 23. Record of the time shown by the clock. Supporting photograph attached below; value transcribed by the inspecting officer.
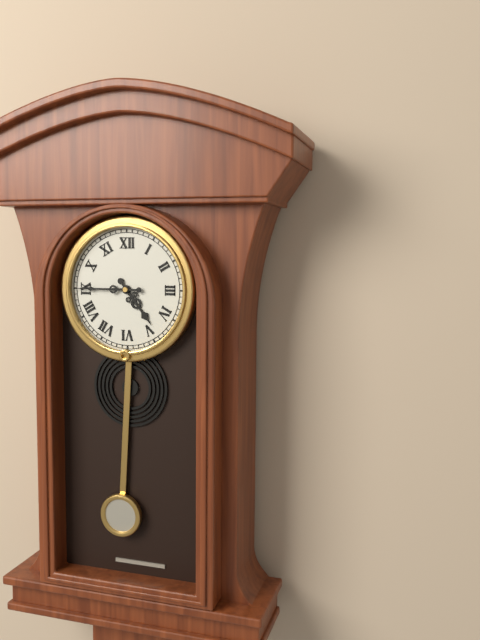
4:45
